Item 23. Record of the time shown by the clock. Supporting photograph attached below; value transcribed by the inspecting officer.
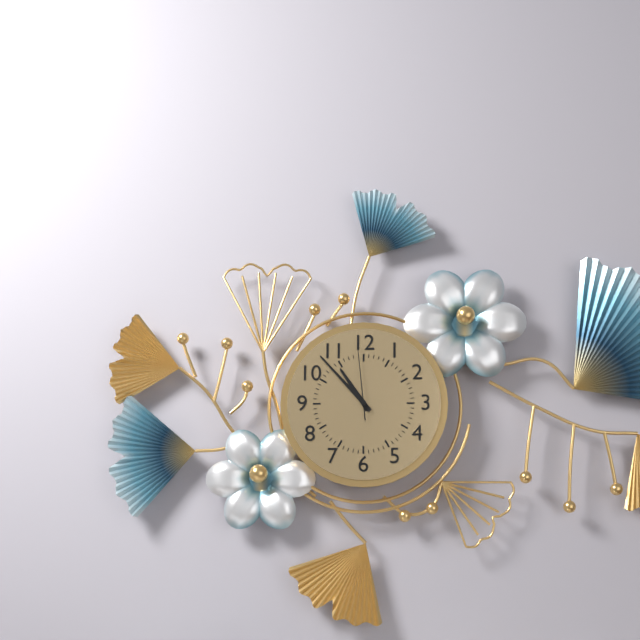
10:53:59
